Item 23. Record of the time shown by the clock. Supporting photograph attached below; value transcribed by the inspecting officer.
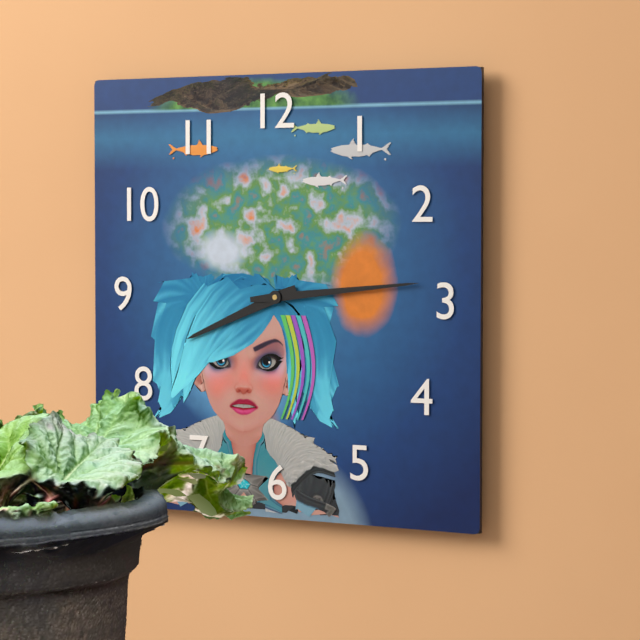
8:14
